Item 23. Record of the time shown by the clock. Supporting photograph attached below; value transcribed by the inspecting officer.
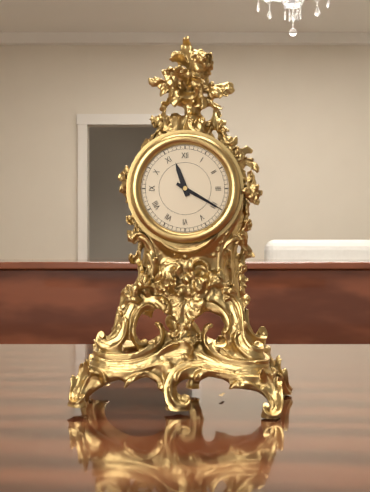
11:20
